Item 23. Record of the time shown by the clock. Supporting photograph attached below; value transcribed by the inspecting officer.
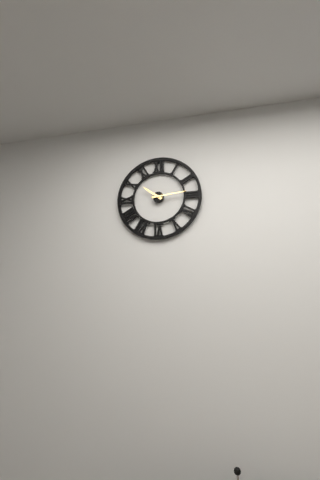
10:14
